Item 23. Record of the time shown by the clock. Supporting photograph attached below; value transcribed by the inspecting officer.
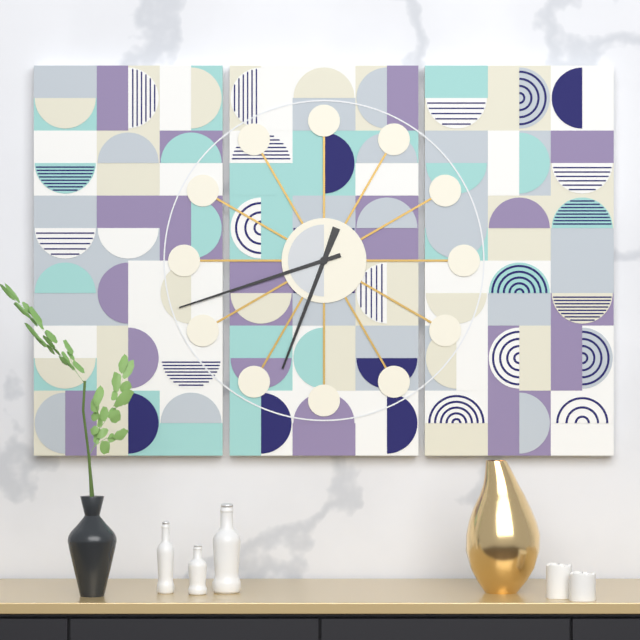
6:42
